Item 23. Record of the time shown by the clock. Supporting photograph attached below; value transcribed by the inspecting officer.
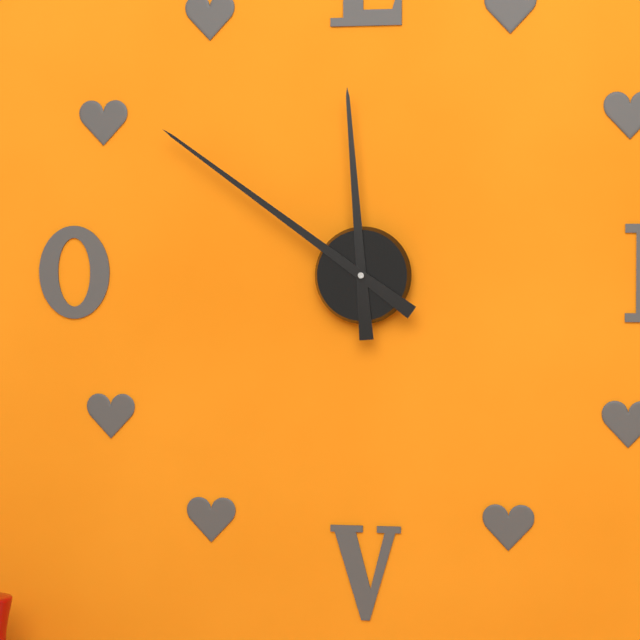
11:51
